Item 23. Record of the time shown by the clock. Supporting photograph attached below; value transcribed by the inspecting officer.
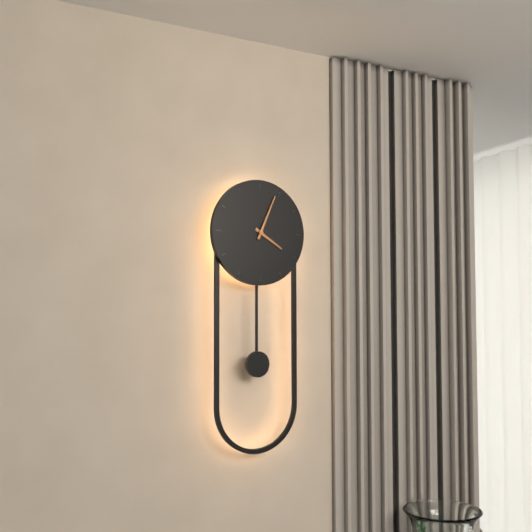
4:04
